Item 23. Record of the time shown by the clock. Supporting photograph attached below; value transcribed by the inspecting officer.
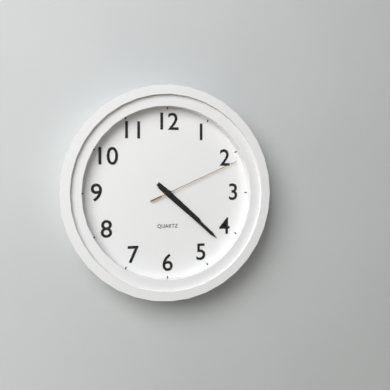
4:22:11
